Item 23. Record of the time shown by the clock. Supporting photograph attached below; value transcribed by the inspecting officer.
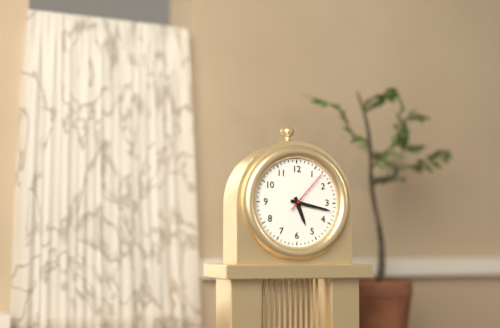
5:17
